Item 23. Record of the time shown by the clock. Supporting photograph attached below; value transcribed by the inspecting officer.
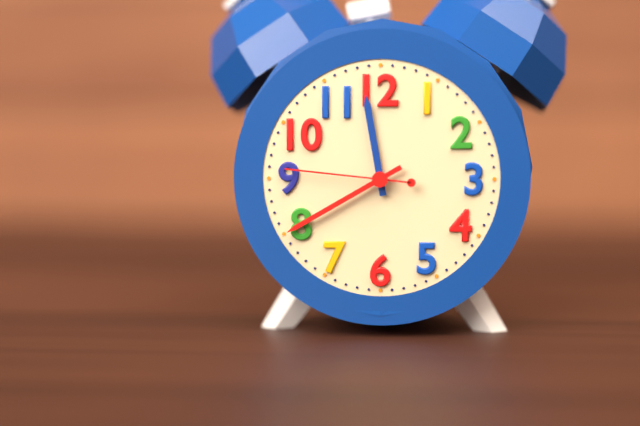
11:40:46
